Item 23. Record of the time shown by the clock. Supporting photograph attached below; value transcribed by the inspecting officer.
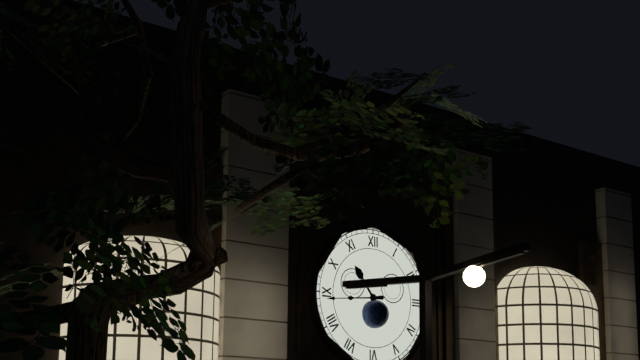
10:44
